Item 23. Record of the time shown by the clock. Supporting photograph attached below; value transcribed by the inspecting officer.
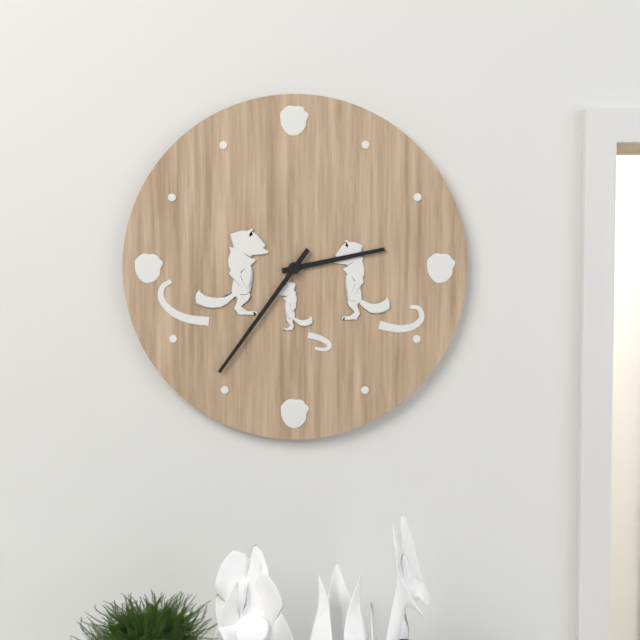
2:36
